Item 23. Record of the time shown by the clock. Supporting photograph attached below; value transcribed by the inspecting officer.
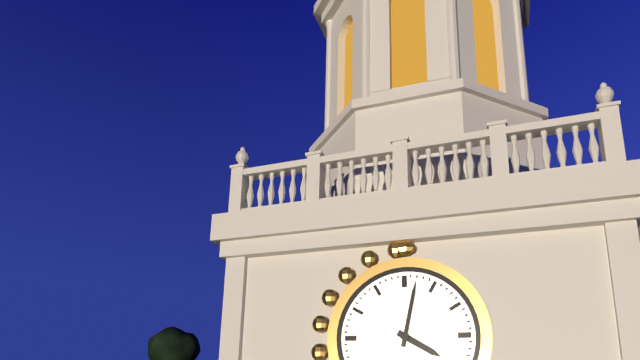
4:02
